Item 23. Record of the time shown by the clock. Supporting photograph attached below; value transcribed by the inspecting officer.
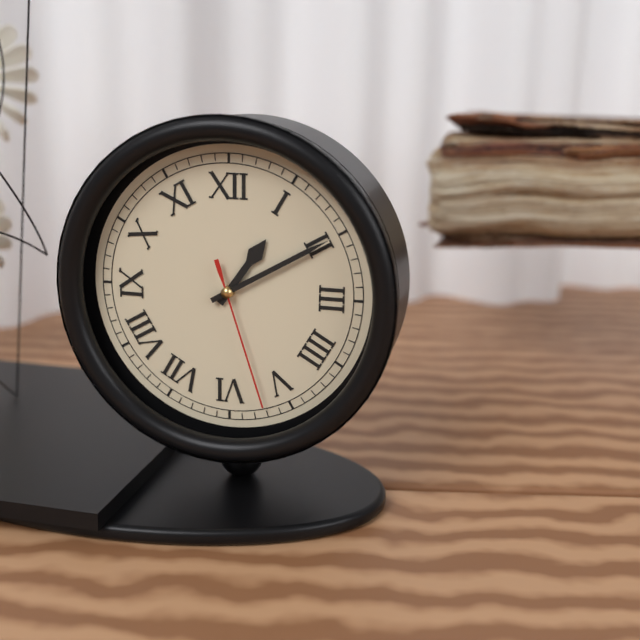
1:10:27
